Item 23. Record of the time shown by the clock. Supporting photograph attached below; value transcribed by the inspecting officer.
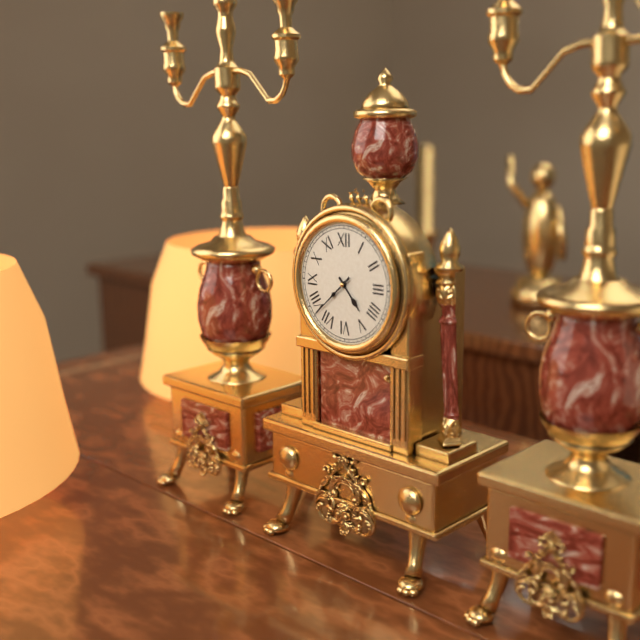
4:38
